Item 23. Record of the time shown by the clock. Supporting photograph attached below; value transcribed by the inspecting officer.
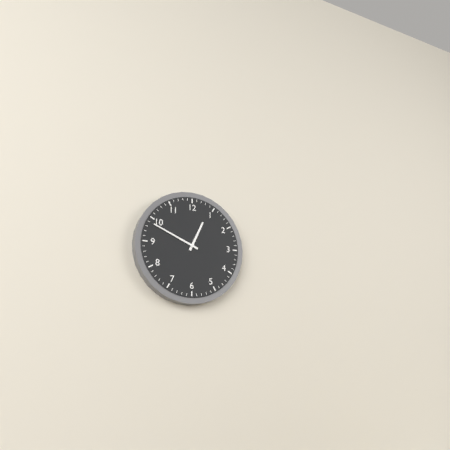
12:49
